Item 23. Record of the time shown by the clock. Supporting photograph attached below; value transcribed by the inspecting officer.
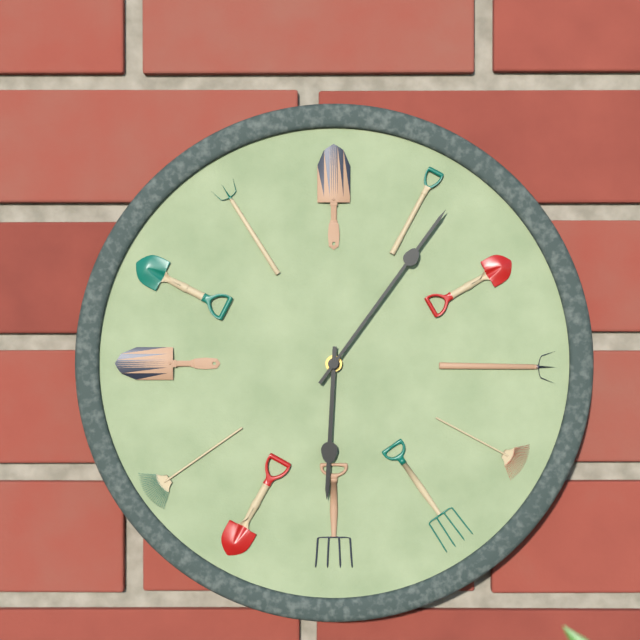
6:06
